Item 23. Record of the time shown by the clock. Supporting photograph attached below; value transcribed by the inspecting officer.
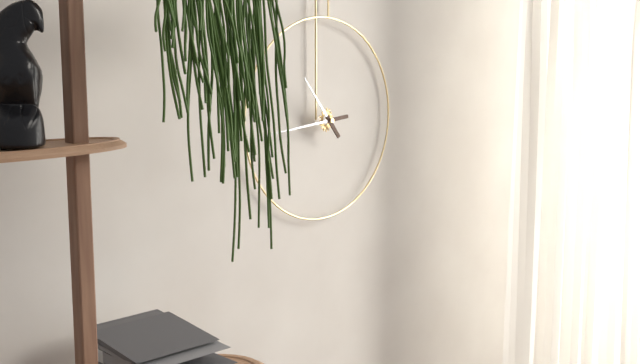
10:44
